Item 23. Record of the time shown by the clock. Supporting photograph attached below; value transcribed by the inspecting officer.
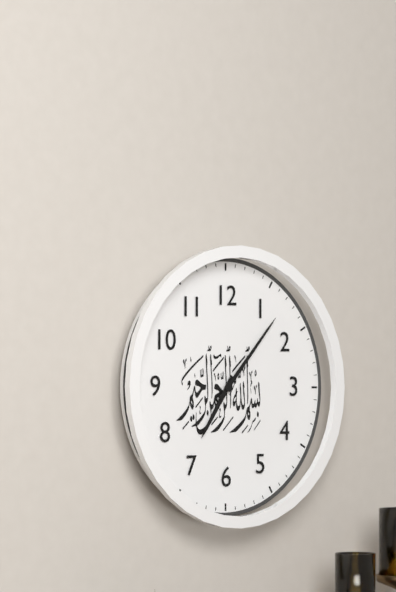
7:07
